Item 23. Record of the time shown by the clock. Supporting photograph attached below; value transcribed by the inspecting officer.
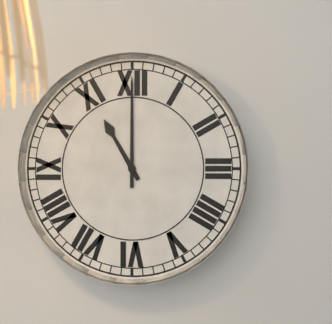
11:00
